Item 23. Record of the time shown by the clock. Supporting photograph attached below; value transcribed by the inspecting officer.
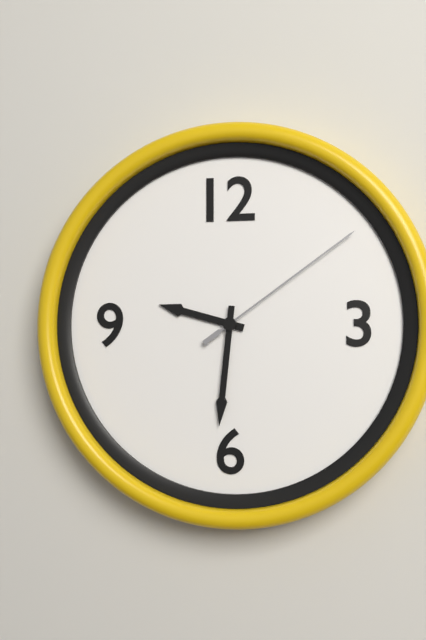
9:31:09
